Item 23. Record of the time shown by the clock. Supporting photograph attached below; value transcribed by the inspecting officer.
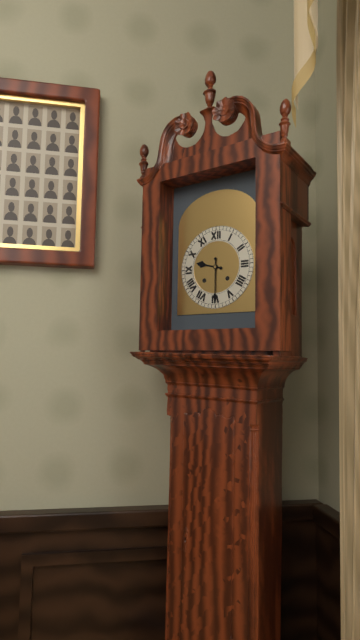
9:30
